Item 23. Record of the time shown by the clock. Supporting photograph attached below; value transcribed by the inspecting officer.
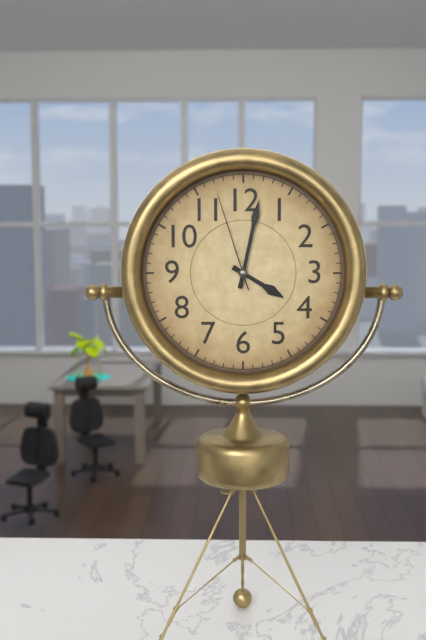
4:02:57
